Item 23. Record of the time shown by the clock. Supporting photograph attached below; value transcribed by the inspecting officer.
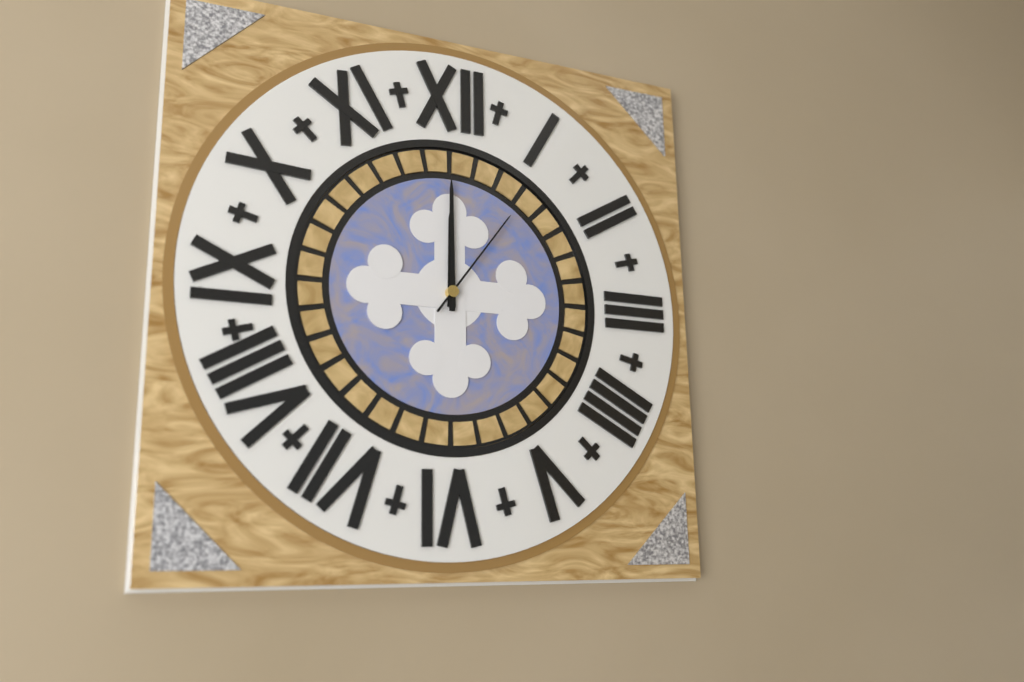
12:00:06
